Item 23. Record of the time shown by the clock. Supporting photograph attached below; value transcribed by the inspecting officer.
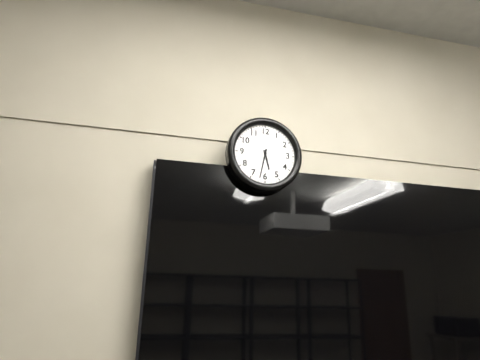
5:32
